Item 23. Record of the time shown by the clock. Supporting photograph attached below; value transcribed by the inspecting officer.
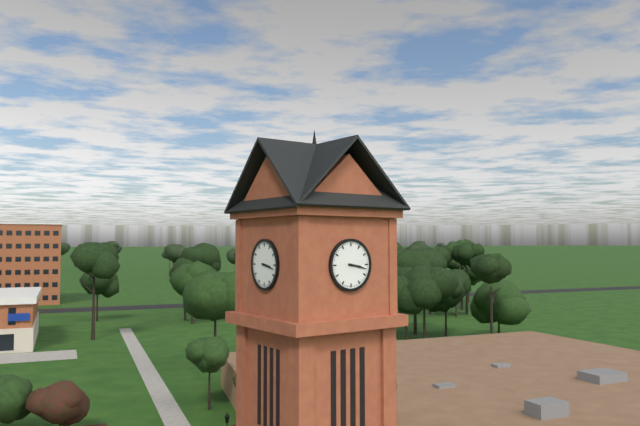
3:17
